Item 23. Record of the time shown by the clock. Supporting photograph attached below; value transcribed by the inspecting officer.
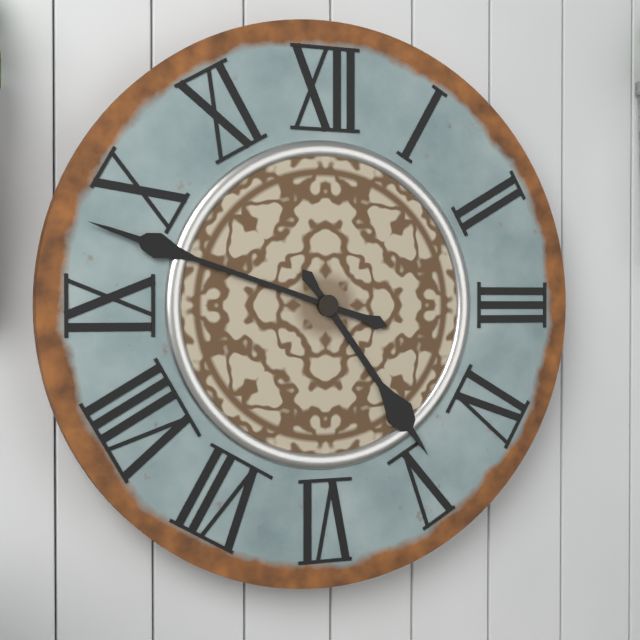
4:48
